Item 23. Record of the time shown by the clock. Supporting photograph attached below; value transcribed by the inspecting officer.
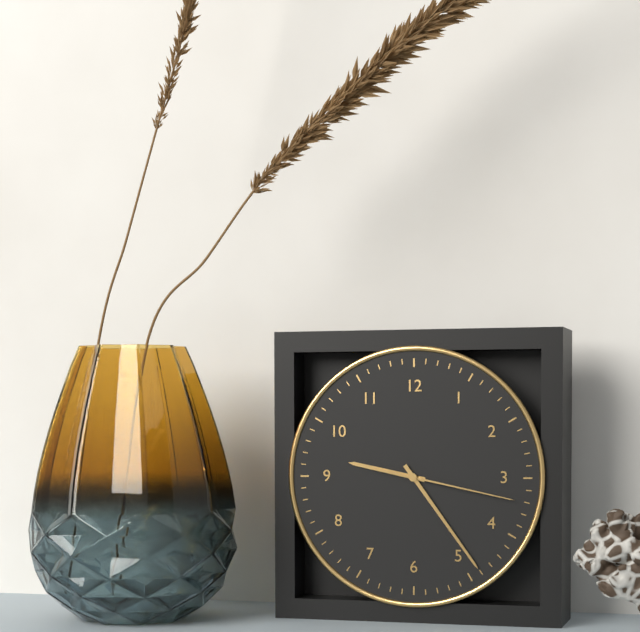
9:24:17
